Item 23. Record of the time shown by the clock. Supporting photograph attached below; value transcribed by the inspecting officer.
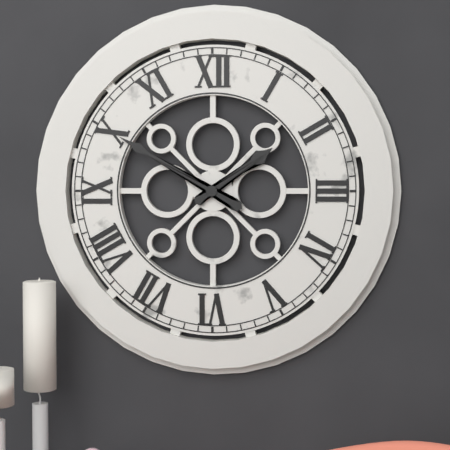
1:50
